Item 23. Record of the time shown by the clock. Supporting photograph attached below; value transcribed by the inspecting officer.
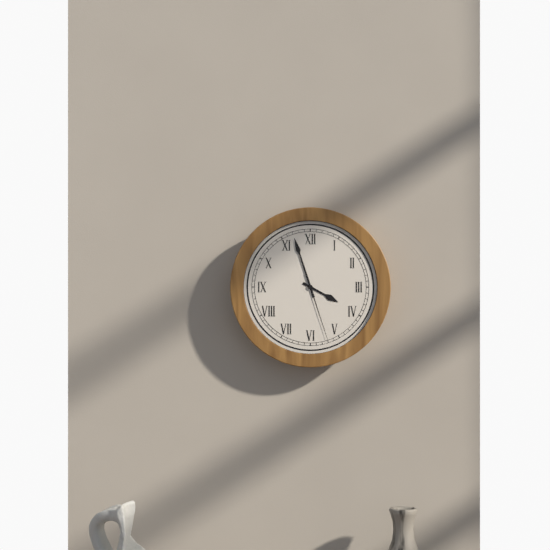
3:57:27
